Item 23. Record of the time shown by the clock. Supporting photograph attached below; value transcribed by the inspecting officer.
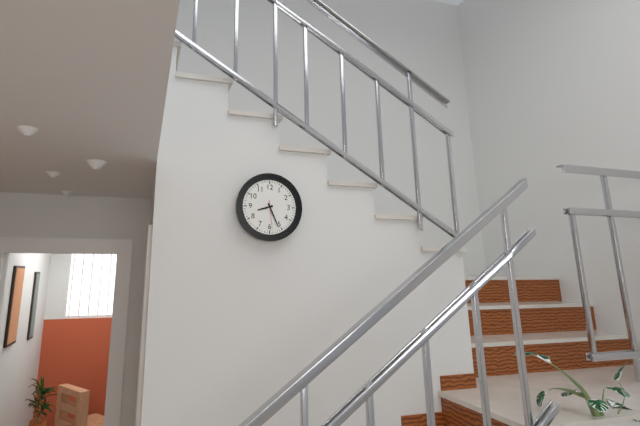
8:26
